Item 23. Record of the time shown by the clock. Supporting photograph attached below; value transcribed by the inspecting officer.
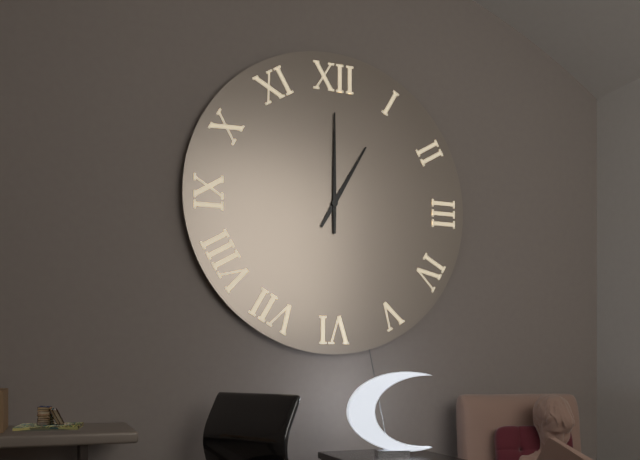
1:00
